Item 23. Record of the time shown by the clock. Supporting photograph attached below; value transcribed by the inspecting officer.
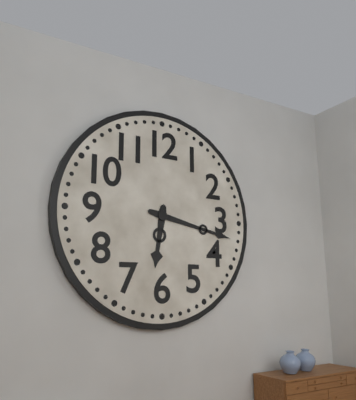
6:17
